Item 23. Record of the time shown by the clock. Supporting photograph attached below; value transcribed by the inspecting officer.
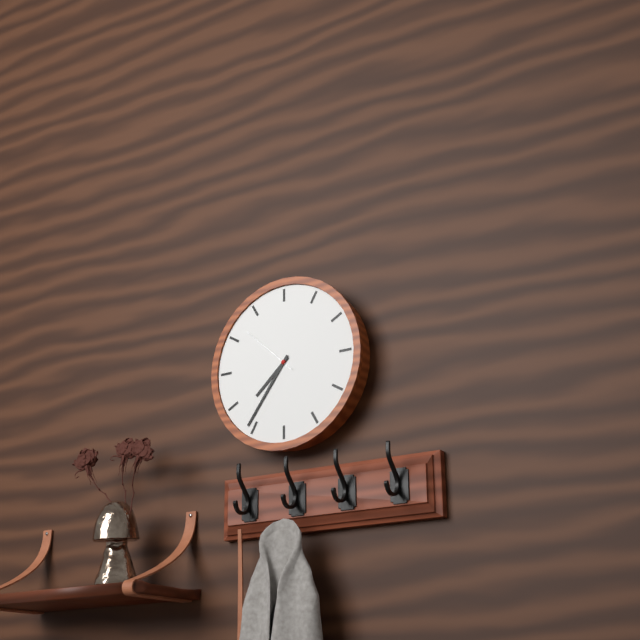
7:36:52
